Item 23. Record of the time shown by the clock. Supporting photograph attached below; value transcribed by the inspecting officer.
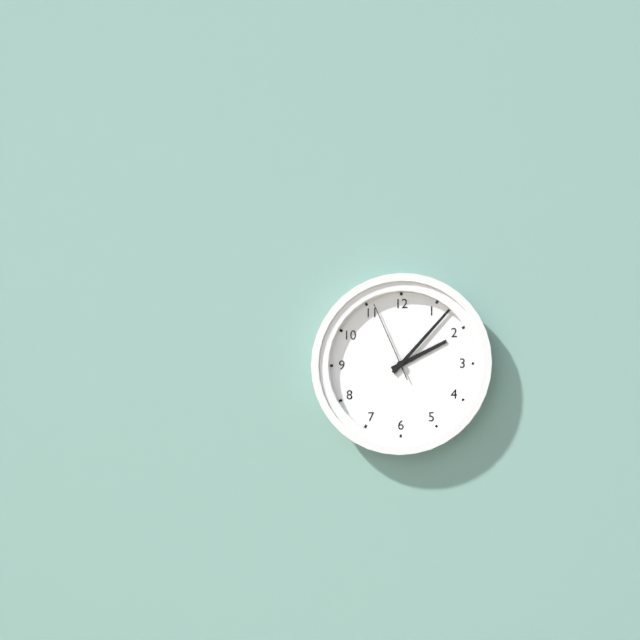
2:07:56
